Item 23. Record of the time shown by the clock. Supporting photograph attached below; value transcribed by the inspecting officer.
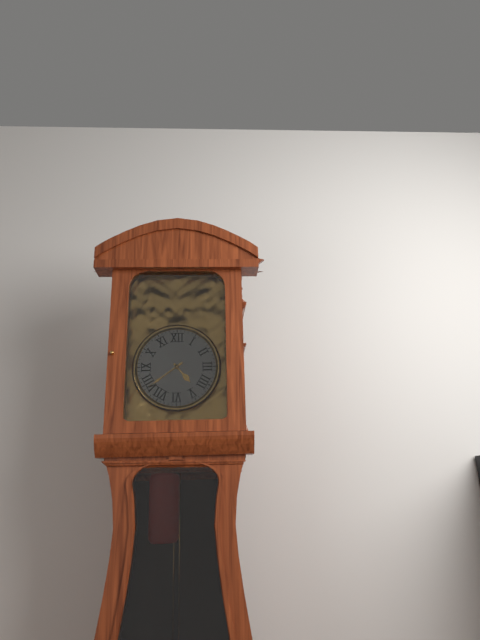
4:39
